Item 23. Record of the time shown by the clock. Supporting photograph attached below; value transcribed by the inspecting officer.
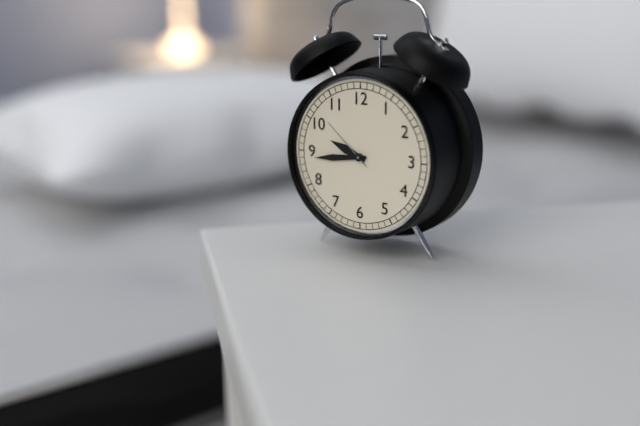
9:44:52
